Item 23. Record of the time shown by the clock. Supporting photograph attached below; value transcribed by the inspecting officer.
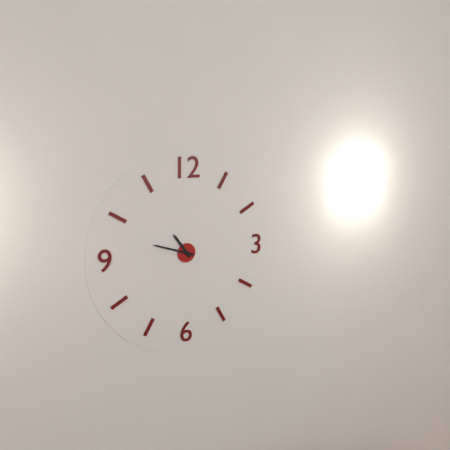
10:48
